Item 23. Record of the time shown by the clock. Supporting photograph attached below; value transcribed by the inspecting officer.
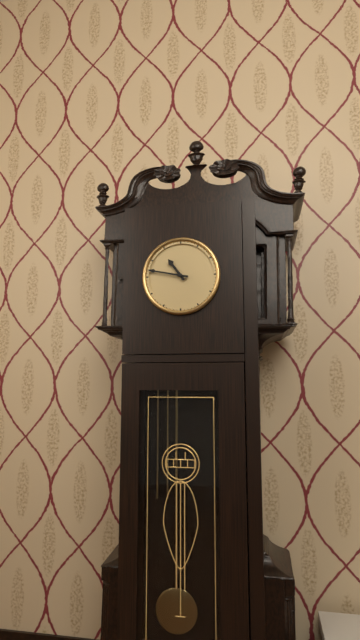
10:47
